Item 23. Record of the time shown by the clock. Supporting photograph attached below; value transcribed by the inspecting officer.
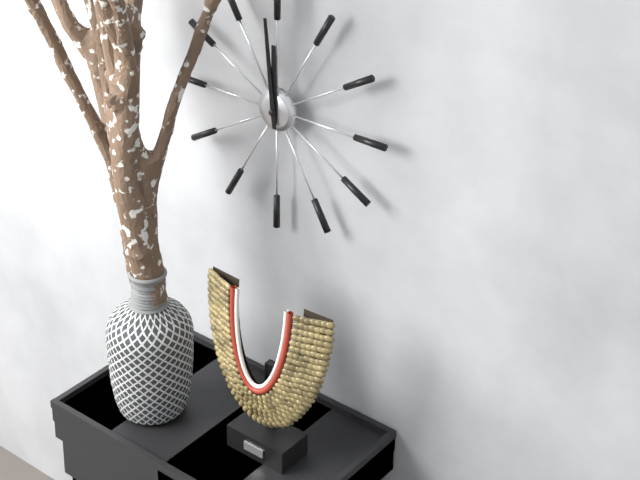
11:59
